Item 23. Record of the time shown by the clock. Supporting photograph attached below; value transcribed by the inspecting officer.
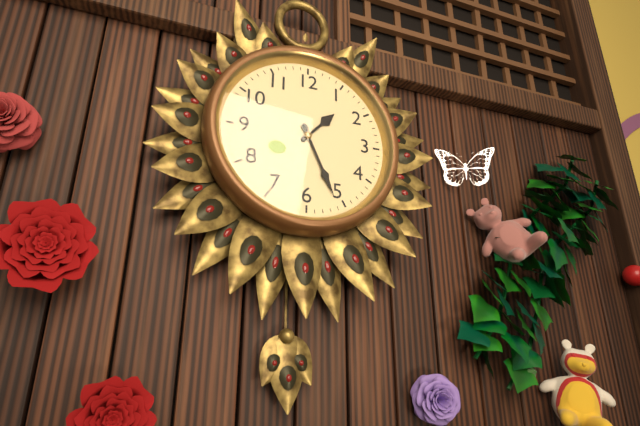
1:26
